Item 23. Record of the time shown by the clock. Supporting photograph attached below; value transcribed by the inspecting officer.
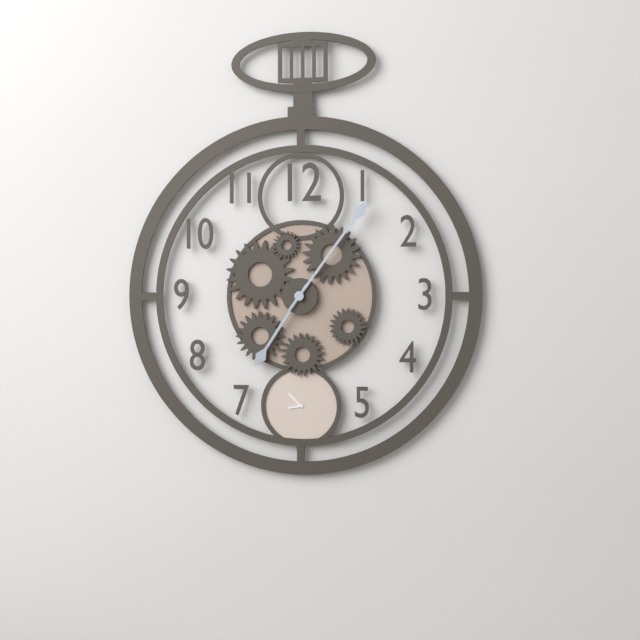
7:06
